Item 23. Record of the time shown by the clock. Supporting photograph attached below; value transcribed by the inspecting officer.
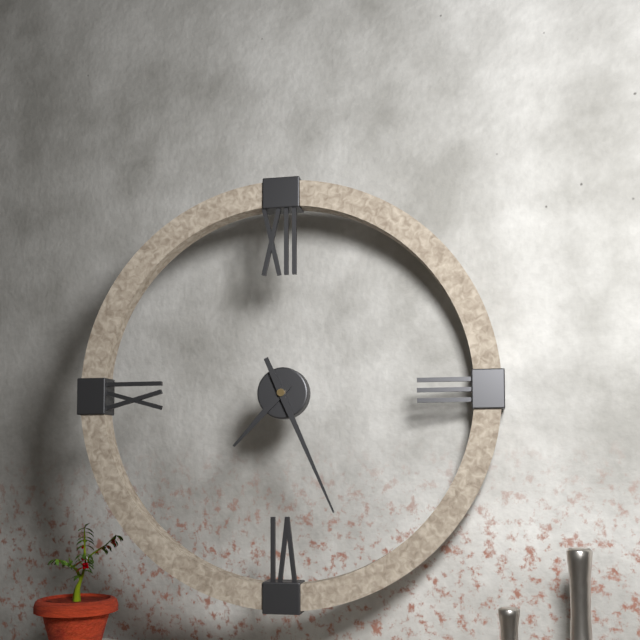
7:26
